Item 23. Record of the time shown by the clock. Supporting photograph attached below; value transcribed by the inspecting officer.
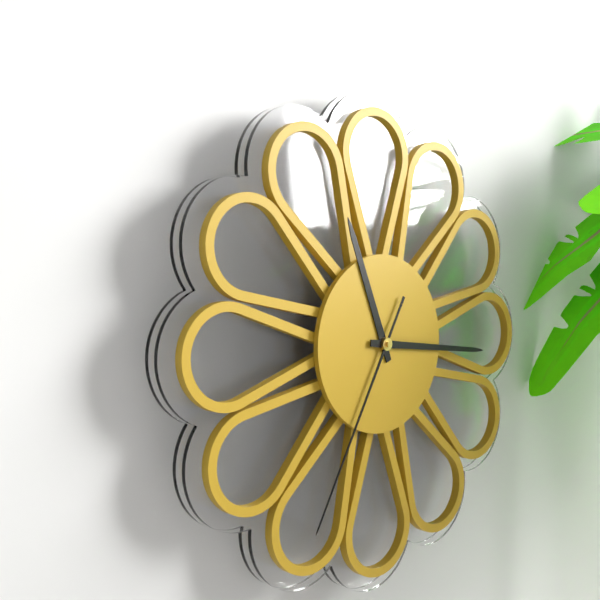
11:16:35
